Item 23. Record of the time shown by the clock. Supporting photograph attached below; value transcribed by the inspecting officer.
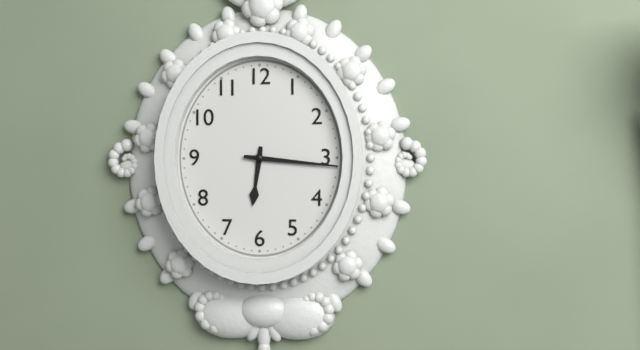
6:16
